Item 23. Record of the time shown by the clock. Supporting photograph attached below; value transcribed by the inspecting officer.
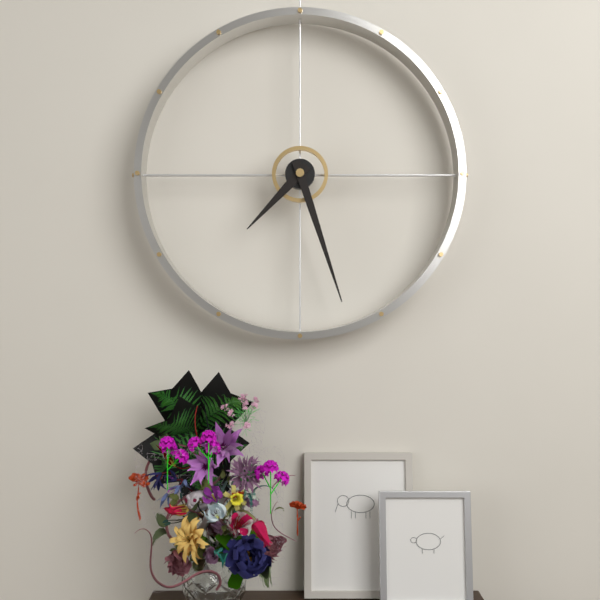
7:27
